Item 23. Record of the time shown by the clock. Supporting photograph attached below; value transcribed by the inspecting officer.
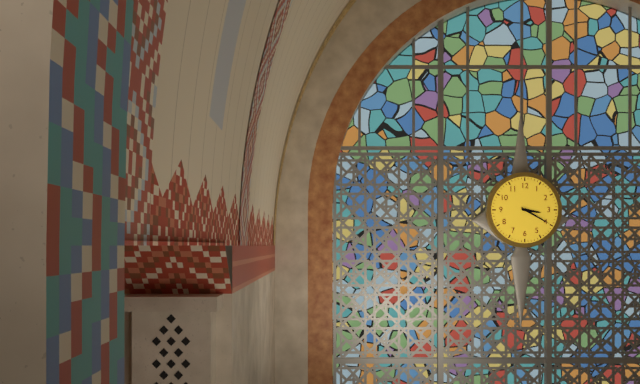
3:20
